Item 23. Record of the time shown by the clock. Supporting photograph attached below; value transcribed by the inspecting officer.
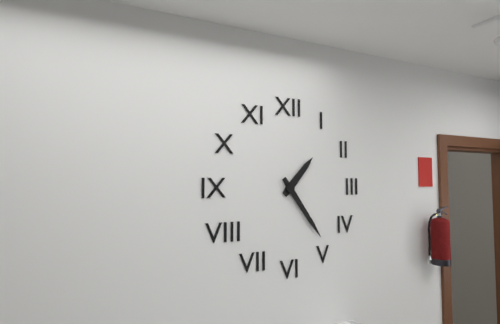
1:24
